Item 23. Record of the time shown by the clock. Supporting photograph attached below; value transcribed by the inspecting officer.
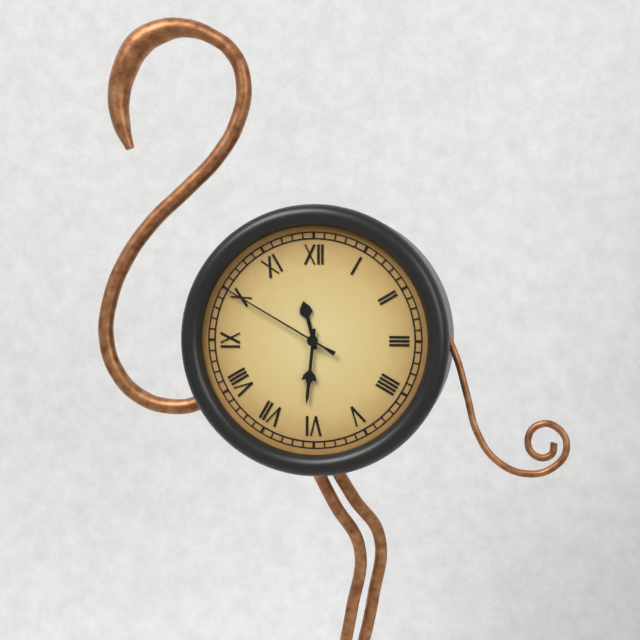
11:31:50
